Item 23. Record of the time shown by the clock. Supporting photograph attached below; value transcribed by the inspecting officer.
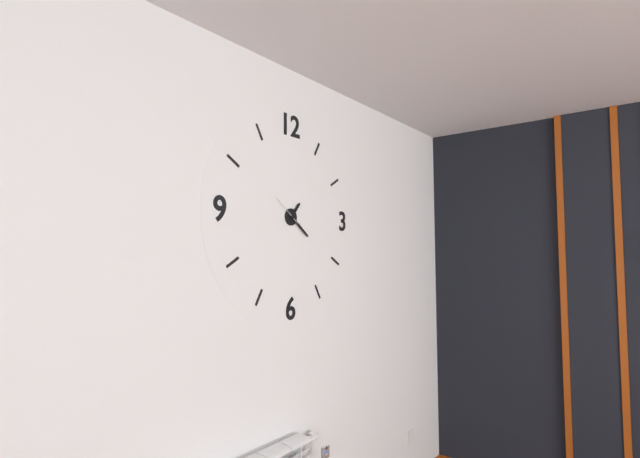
1:21
